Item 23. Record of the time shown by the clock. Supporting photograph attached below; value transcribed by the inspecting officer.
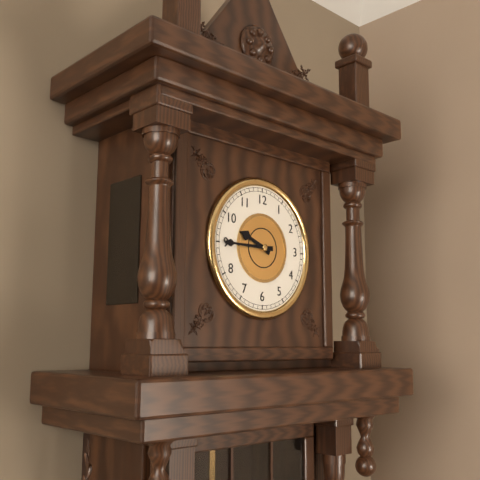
9:45
